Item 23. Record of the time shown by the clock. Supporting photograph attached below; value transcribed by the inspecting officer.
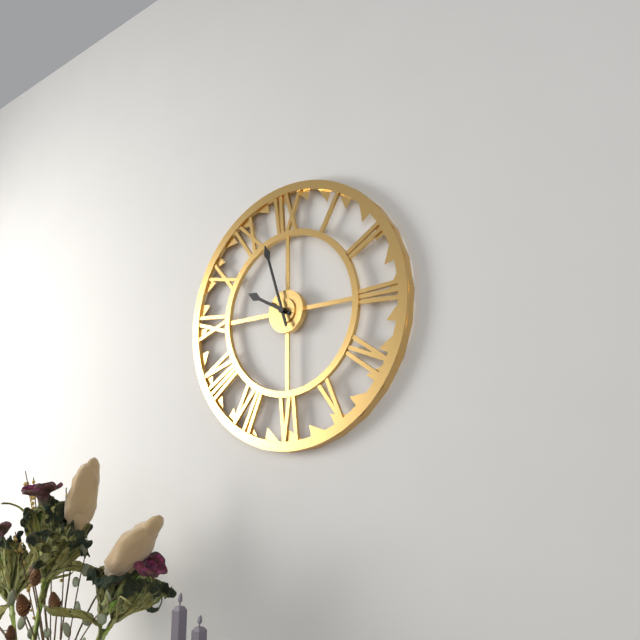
9:57
